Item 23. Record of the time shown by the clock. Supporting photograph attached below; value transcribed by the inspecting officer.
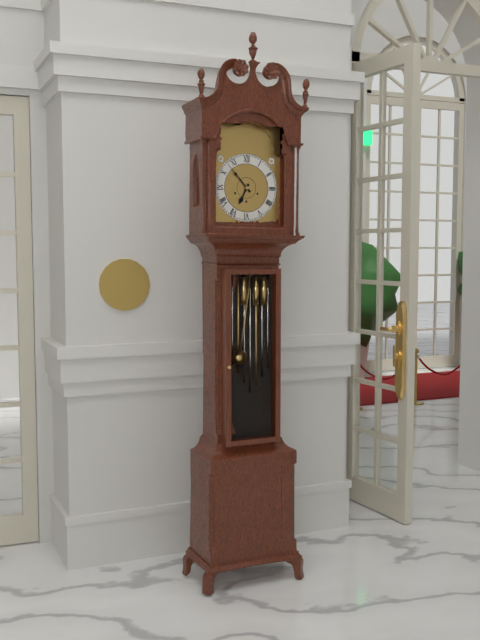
6:53
